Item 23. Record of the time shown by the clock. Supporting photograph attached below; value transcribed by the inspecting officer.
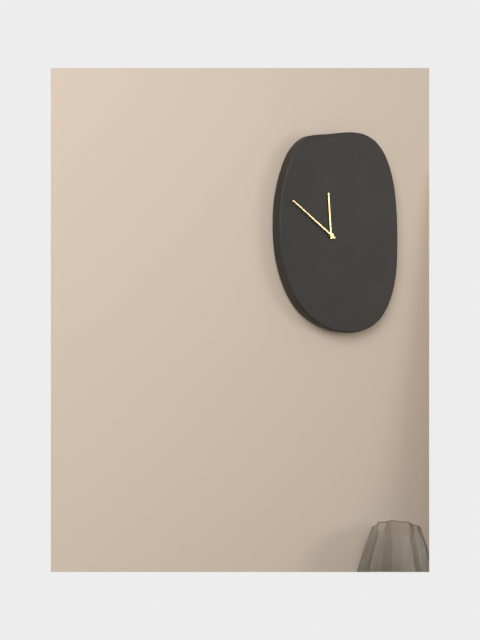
11:51
